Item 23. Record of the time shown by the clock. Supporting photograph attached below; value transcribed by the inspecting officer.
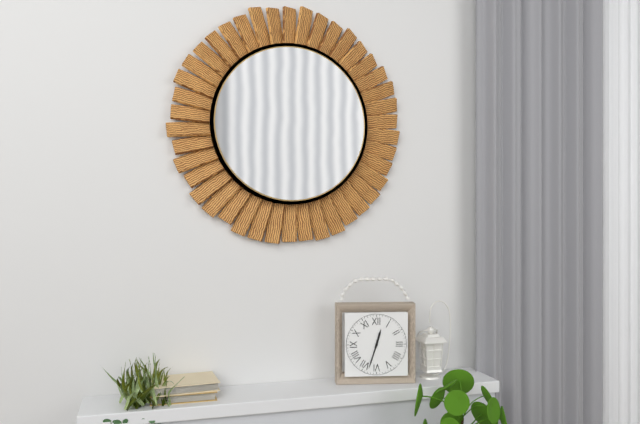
12:33
